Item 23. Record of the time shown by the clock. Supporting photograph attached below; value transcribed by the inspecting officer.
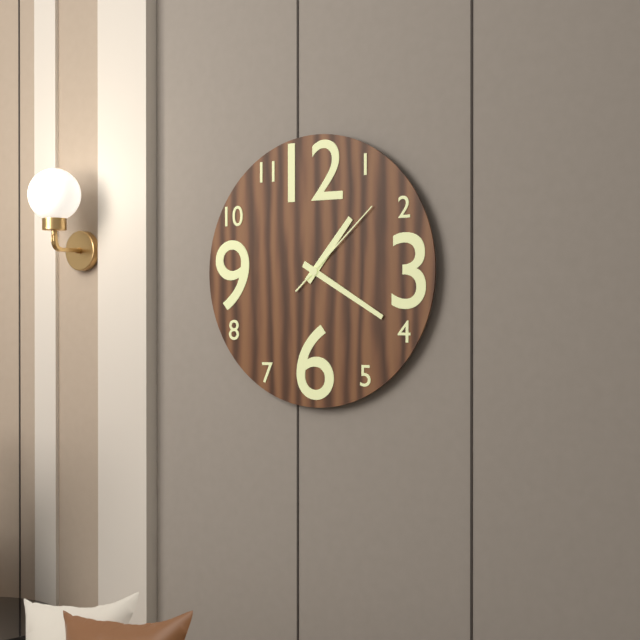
1:20:08
